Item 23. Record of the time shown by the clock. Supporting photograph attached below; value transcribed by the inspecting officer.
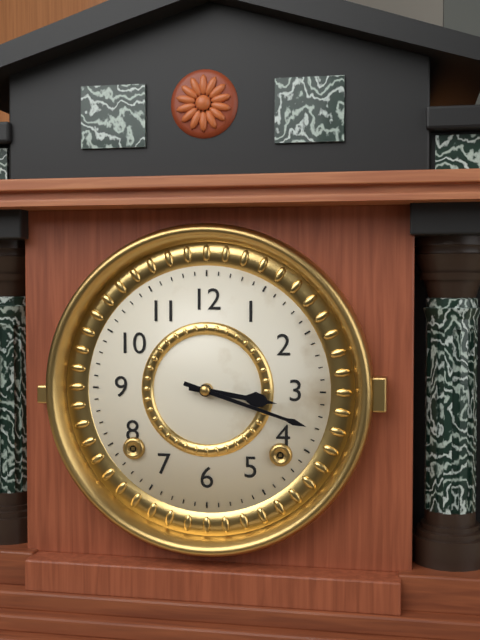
3:18
